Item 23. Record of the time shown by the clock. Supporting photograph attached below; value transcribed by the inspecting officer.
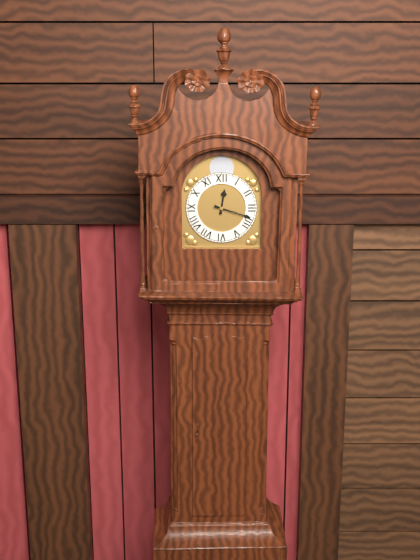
12:18
